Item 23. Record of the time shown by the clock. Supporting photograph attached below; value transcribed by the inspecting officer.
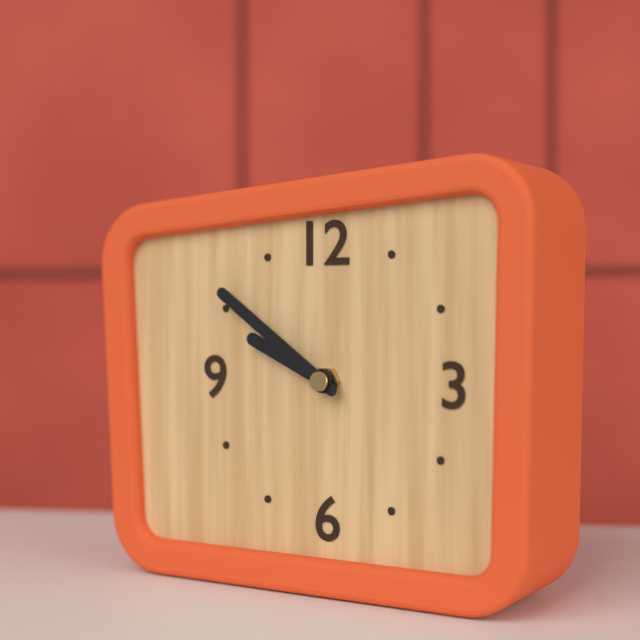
9:51
